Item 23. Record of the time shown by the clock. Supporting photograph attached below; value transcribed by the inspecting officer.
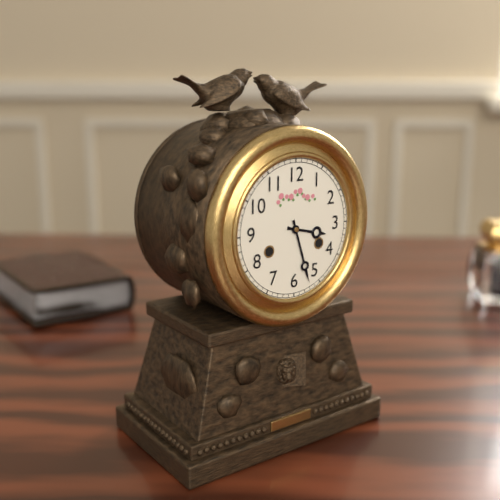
3:27
